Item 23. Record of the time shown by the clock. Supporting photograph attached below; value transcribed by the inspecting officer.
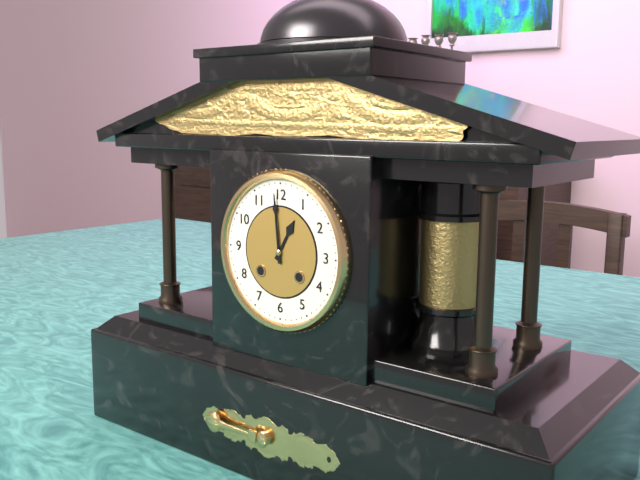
12:59
